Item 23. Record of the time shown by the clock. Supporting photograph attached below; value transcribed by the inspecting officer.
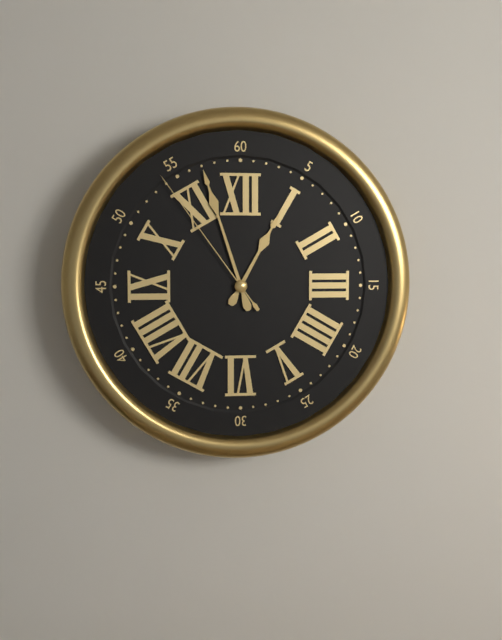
12:57:54
